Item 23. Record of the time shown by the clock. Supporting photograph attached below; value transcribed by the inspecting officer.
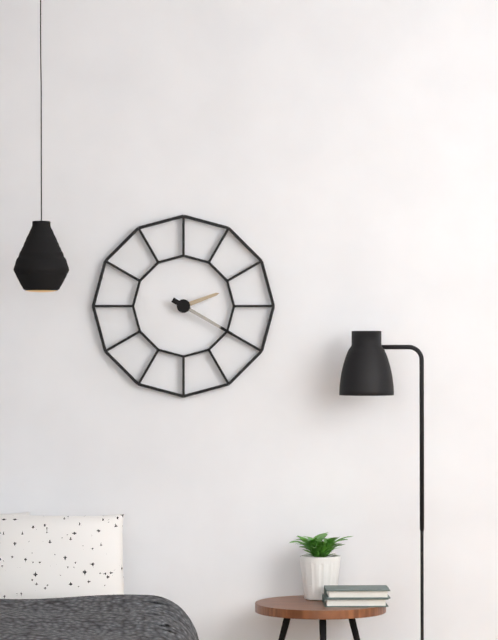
2:20
